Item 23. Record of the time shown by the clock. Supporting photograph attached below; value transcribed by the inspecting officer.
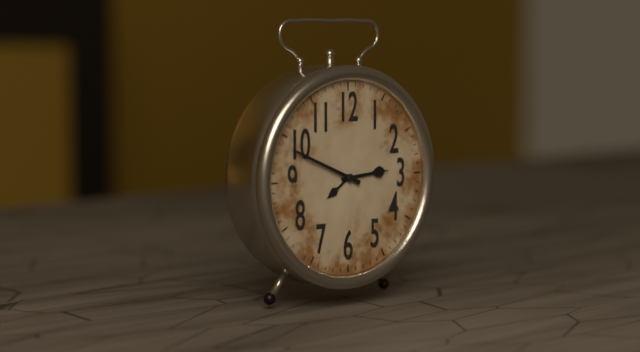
2:49
